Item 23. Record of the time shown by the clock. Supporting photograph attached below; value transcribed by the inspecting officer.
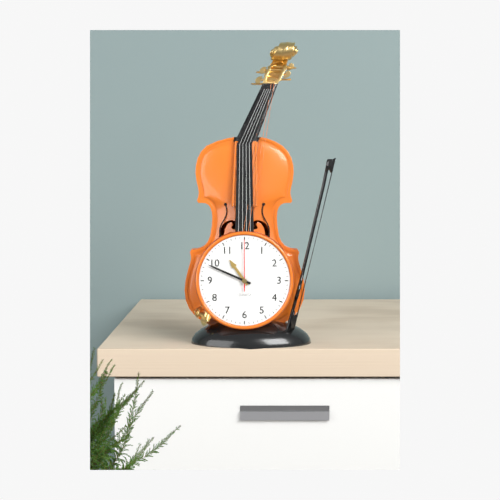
10:49:00
